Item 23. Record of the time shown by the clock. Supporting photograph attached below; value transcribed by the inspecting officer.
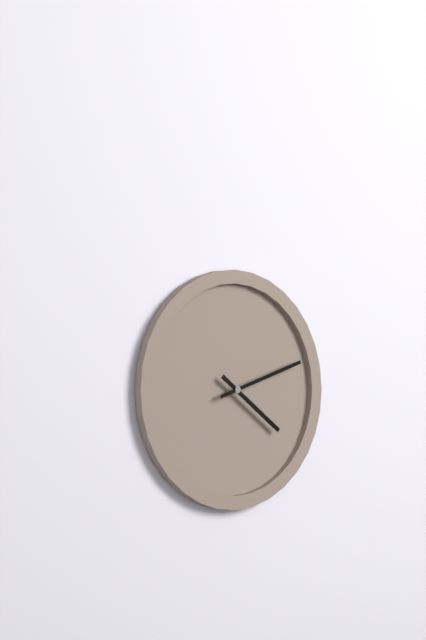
4:12
